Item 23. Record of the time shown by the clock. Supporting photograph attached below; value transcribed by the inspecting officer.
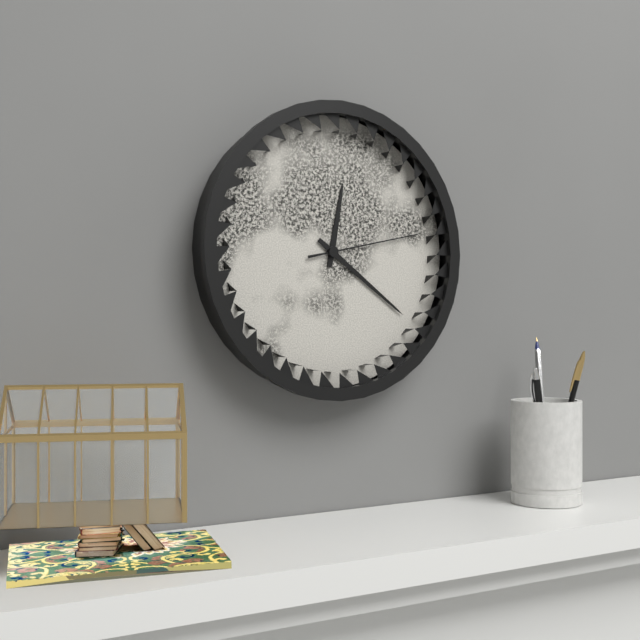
12:21:13
